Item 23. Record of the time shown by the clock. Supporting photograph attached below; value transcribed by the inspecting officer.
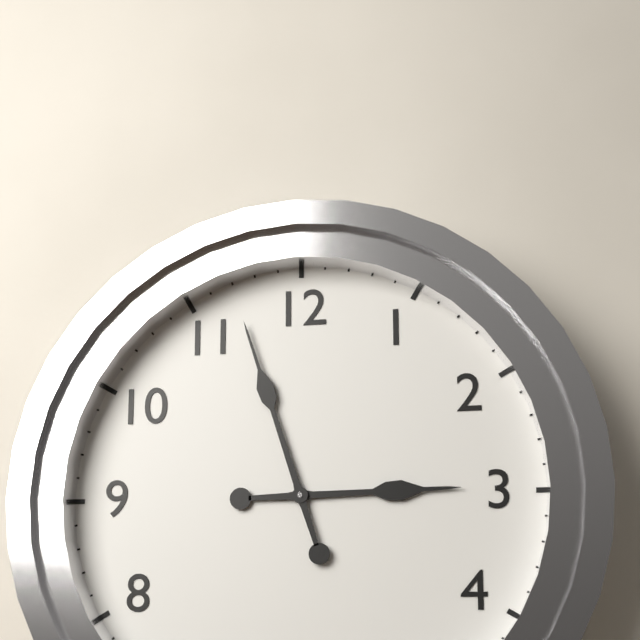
2:57
